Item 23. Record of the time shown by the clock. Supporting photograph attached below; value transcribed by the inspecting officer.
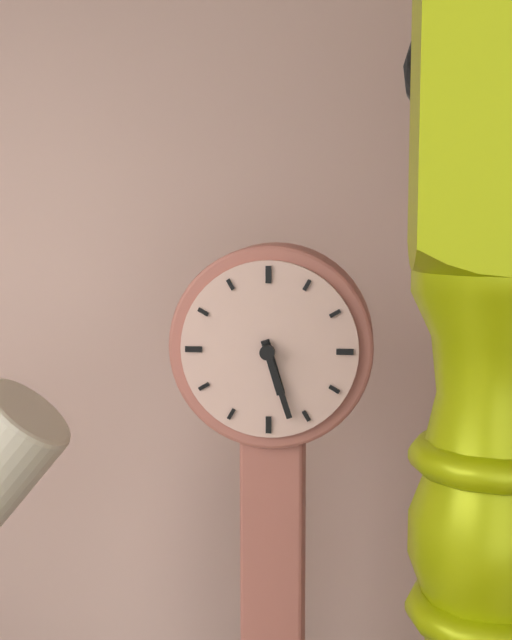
5:27
